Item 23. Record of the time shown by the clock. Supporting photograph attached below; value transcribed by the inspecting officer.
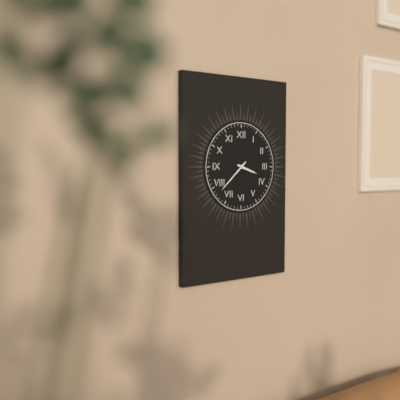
3:38
